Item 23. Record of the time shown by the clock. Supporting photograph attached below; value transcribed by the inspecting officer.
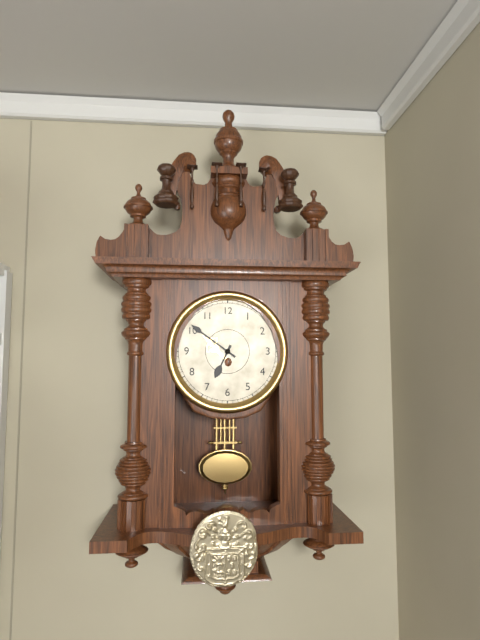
6:51
